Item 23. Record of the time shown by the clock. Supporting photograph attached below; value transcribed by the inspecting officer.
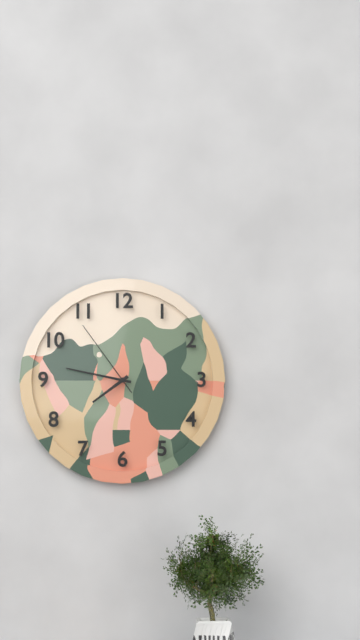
7:47:54
